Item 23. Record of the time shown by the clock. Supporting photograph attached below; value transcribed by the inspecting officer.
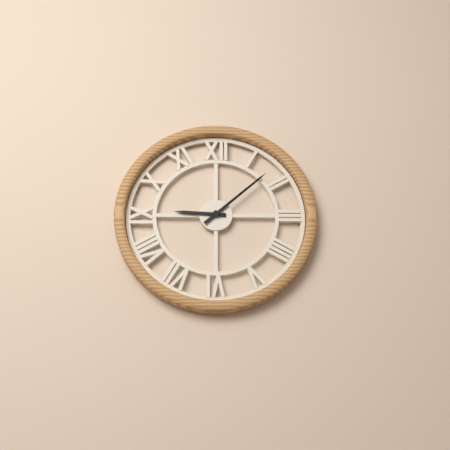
9:08
